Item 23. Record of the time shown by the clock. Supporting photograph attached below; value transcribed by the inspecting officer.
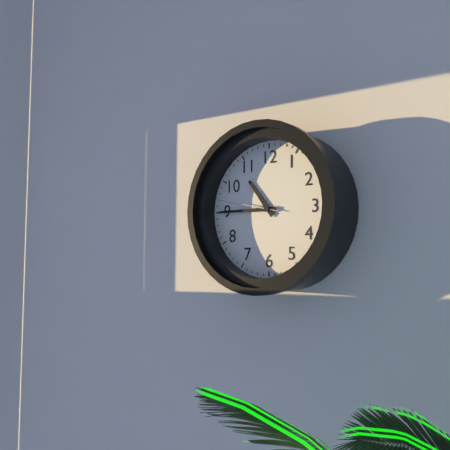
10:45:47
